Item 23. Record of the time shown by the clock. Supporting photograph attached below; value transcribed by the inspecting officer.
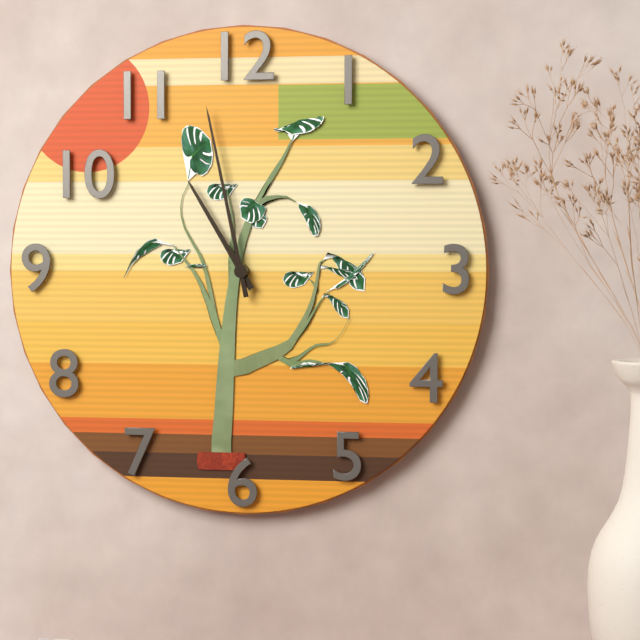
10:58
